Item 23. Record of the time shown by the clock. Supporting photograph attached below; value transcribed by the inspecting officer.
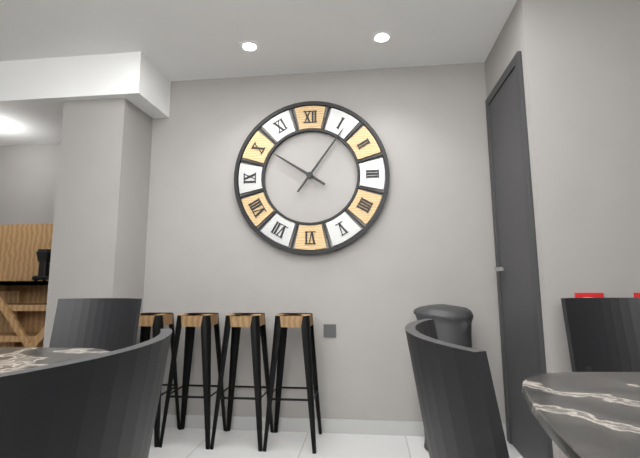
10:06
